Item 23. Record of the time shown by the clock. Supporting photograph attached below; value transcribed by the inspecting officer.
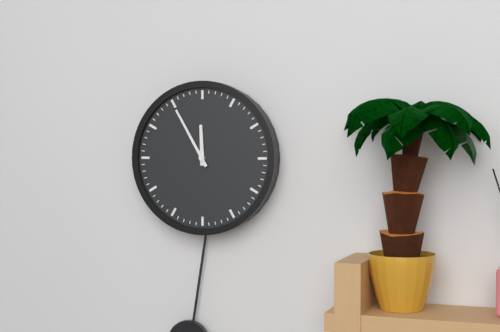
11:55
